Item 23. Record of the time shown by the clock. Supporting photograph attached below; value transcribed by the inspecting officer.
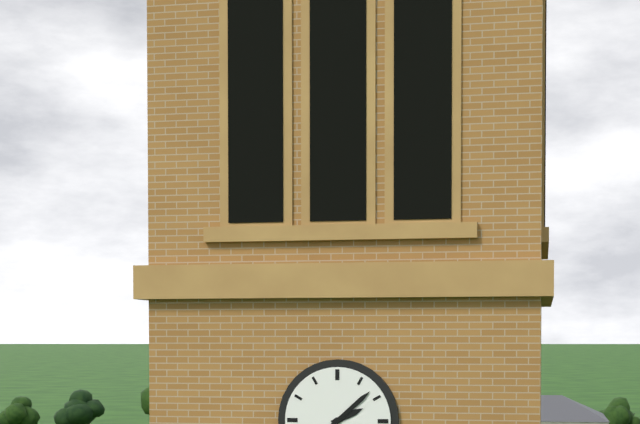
2:08
